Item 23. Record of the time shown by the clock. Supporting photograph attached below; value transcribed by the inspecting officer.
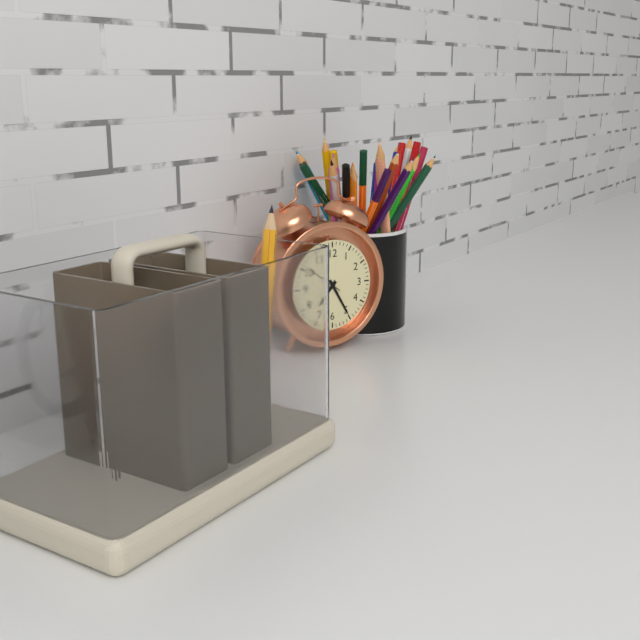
7:25
